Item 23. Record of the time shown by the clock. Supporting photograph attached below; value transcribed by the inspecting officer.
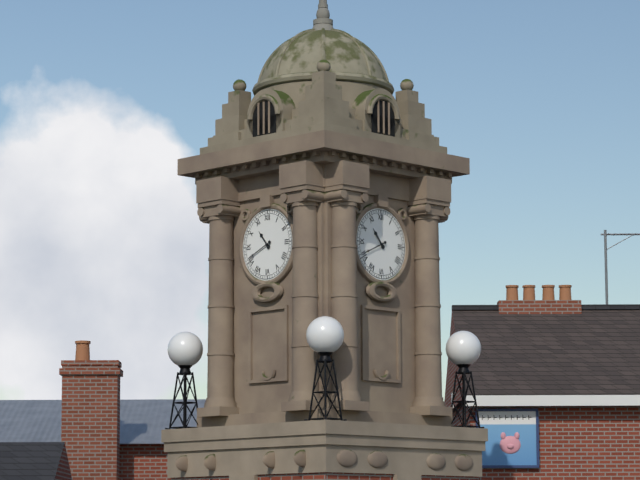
10:41
